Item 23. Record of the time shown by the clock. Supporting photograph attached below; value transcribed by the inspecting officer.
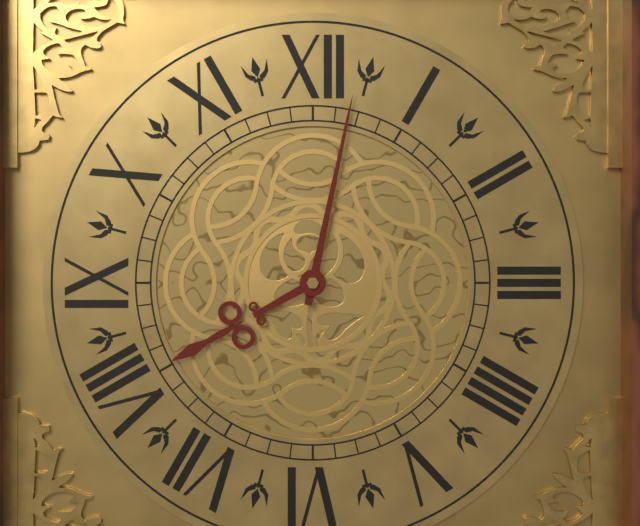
8:02
